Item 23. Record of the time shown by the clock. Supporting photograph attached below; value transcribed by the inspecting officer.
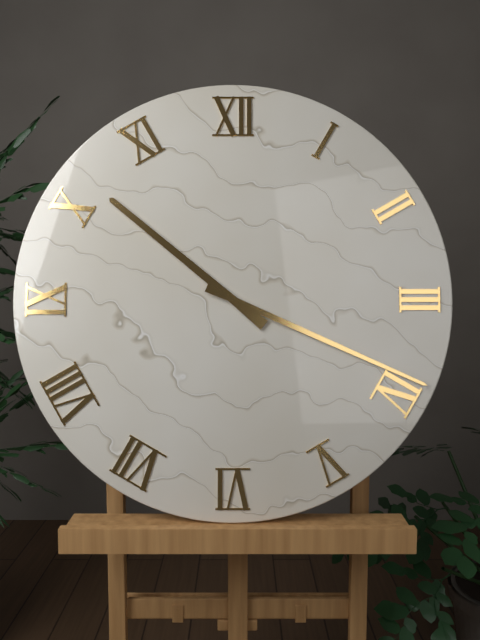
10:19
